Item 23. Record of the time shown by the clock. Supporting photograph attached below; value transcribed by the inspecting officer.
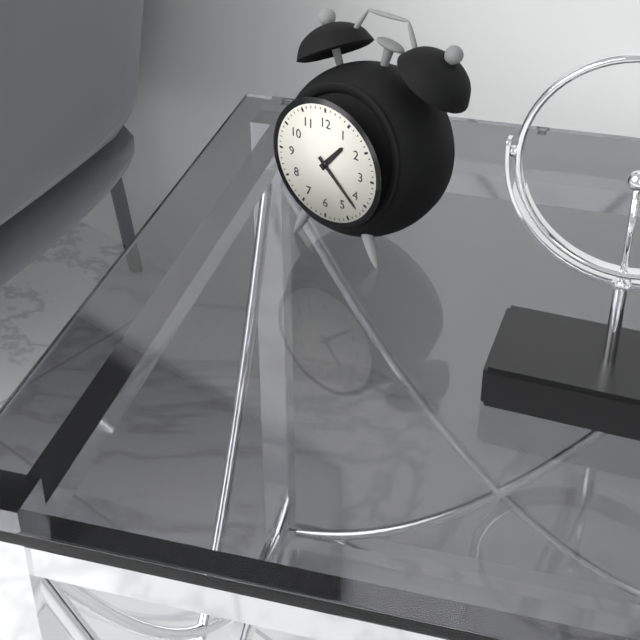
1:22
